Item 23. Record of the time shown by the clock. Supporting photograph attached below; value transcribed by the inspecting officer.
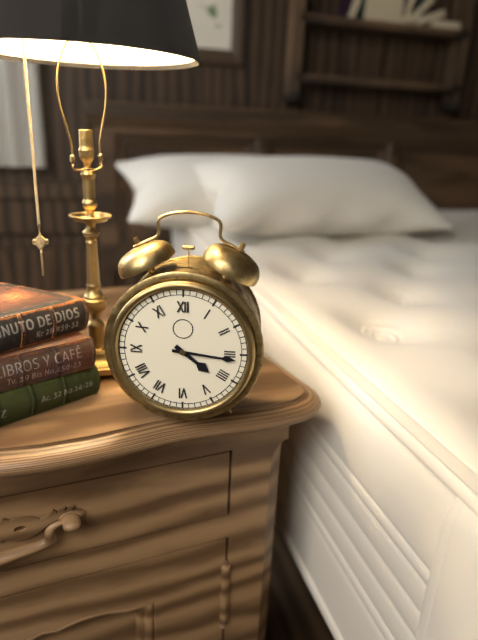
4:16
